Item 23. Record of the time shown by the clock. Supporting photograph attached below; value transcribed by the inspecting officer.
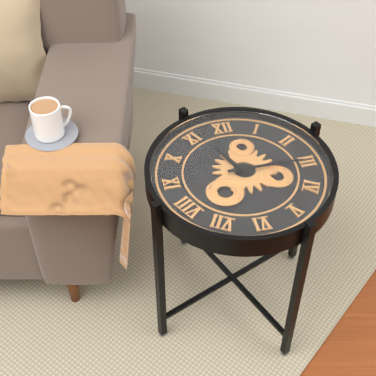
11:15
